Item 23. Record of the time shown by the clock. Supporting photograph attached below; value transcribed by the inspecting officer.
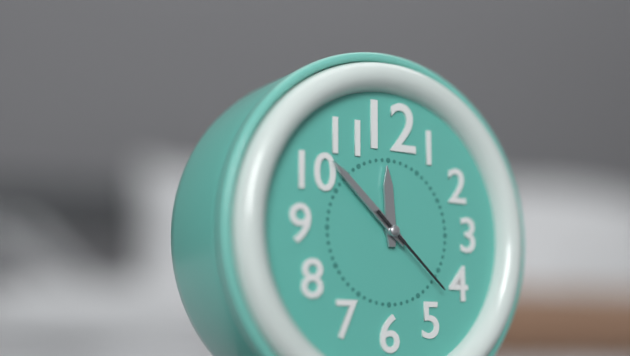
11:52:22
